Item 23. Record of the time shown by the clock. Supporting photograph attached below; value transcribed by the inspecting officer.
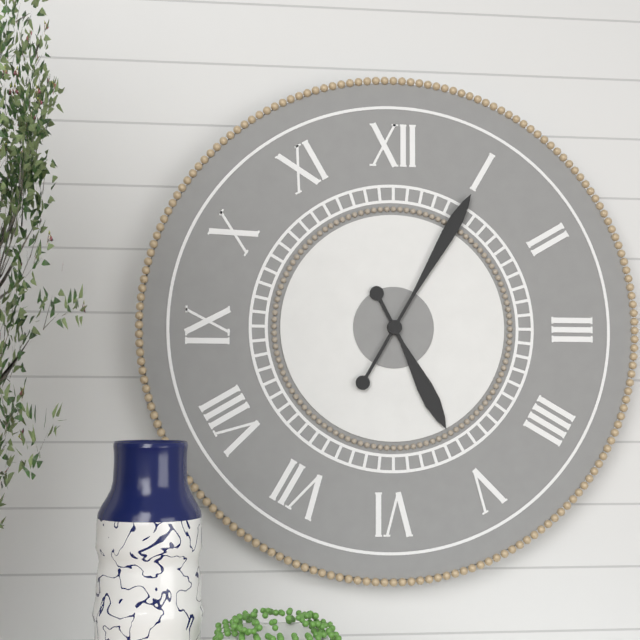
5:05
